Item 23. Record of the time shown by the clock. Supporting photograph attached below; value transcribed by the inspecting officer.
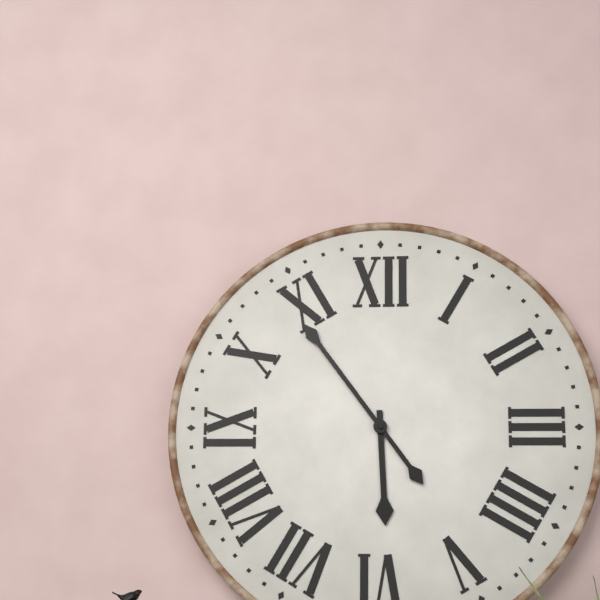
5:54
